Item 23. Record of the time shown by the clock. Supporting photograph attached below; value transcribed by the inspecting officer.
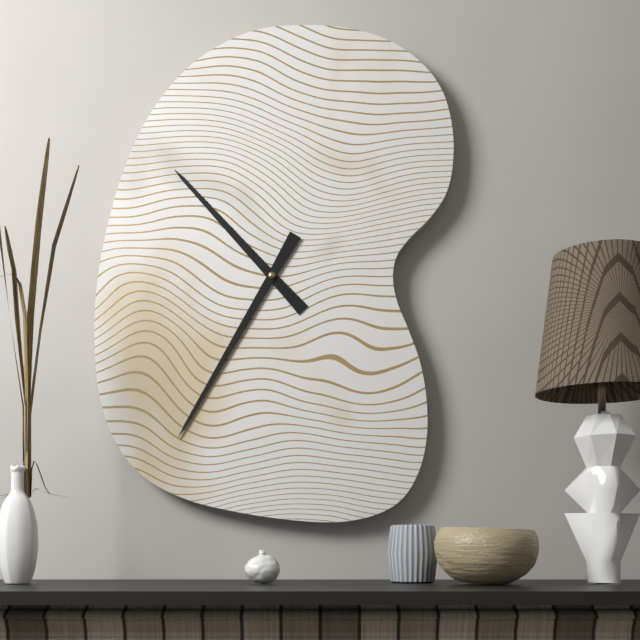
10:35
